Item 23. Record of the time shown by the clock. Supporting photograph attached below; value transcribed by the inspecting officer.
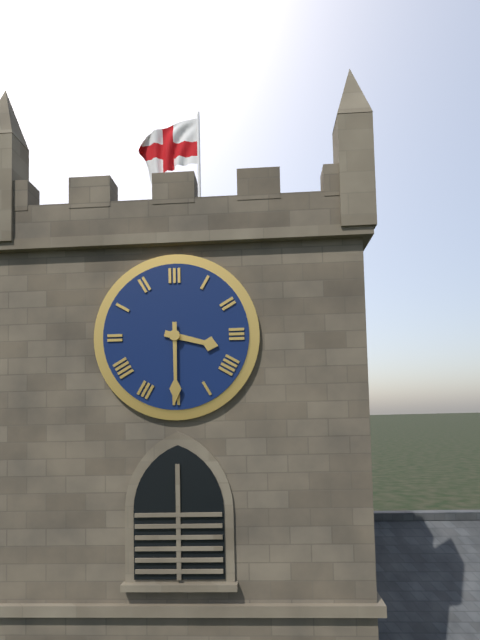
3:30
